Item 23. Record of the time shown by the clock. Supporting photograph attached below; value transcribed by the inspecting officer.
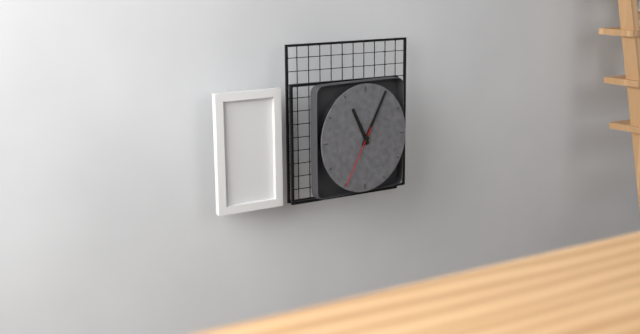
11:05:35
